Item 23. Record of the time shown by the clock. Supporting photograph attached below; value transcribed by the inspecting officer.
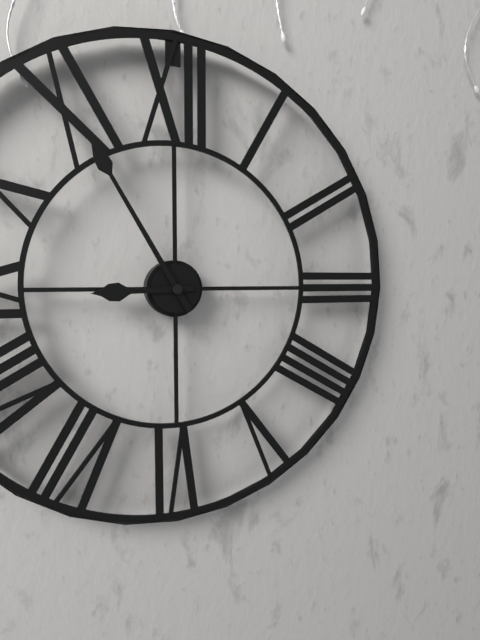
8:55
